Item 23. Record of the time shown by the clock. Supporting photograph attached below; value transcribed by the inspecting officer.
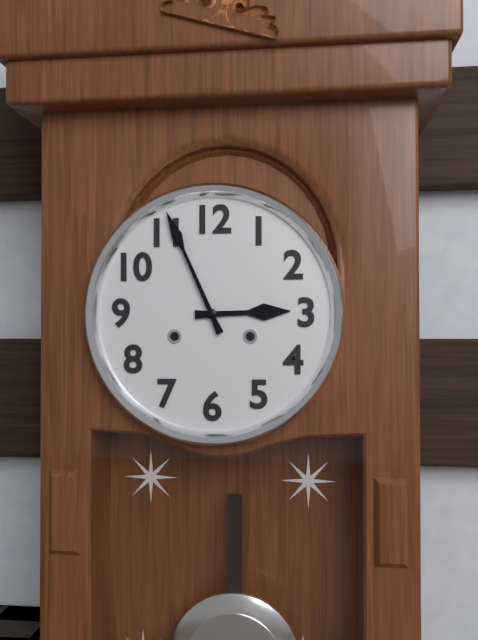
2:56
